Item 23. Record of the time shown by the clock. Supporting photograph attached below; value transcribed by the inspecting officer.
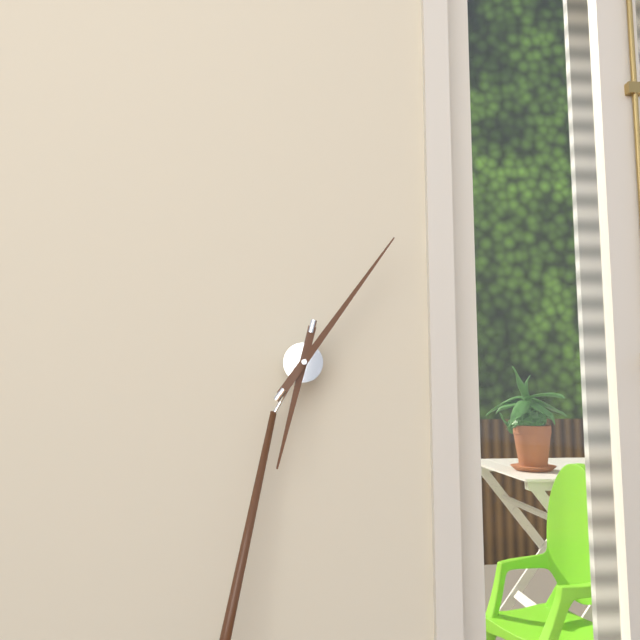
6:04
